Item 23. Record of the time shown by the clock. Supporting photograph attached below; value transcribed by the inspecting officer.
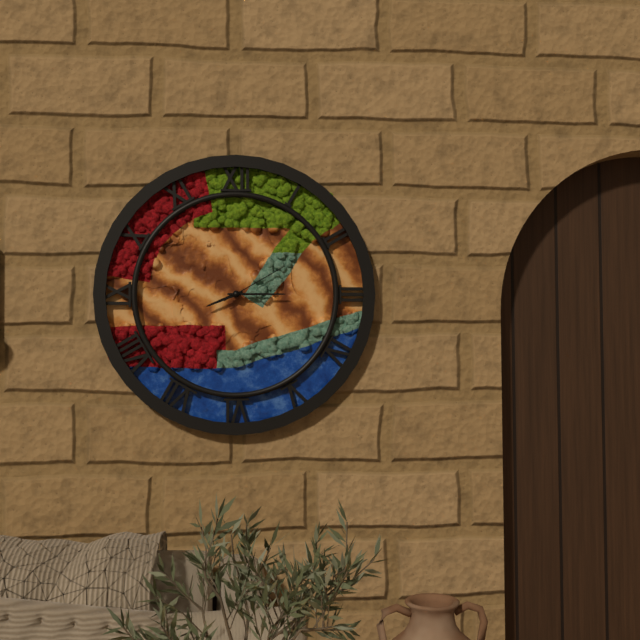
8:15:10
